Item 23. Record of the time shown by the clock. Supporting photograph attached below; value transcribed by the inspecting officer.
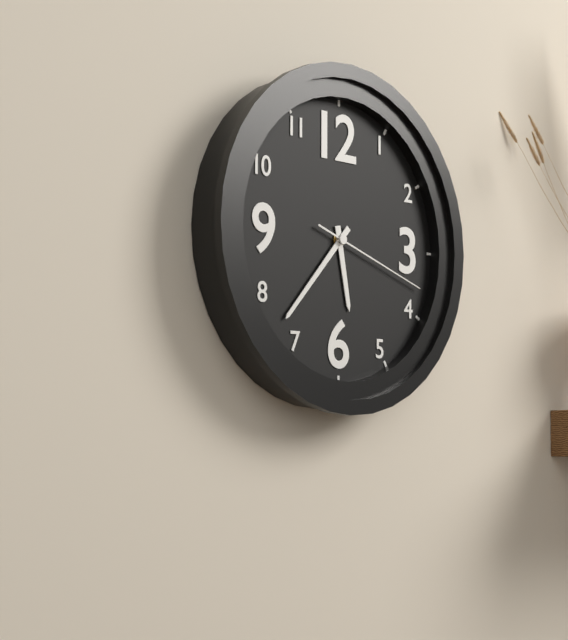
5:37:18
